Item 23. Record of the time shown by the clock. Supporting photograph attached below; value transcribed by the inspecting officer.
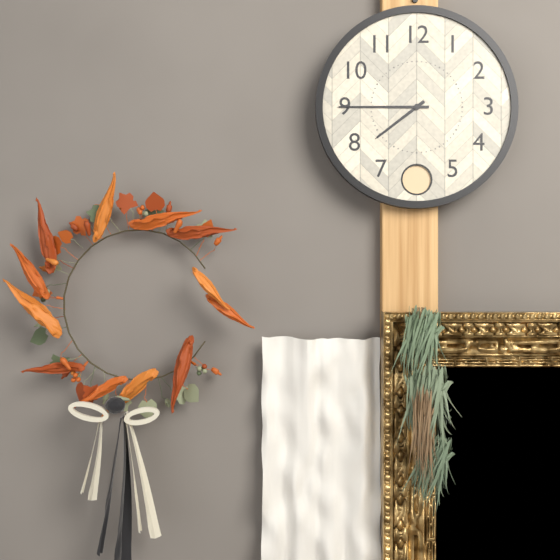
7:45
